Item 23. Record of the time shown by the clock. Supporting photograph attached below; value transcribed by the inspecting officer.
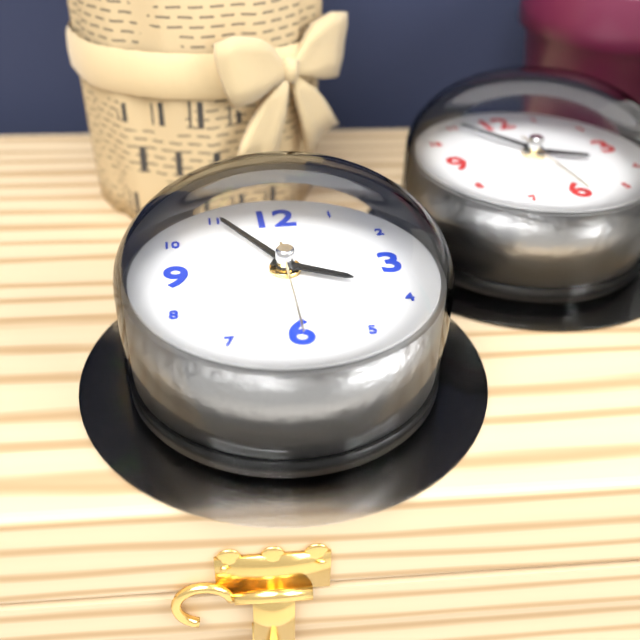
3:55:30
